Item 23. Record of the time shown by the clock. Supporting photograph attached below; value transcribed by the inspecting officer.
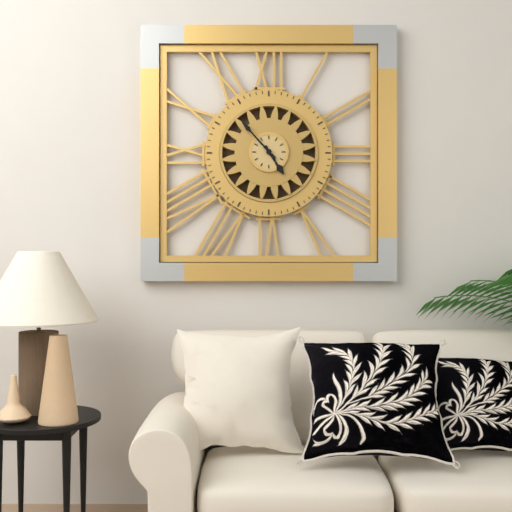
4:53
